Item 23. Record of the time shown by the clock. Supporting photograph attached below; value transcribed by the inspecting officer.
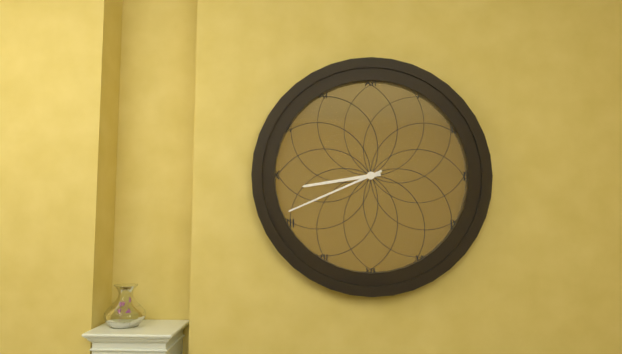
8:41
